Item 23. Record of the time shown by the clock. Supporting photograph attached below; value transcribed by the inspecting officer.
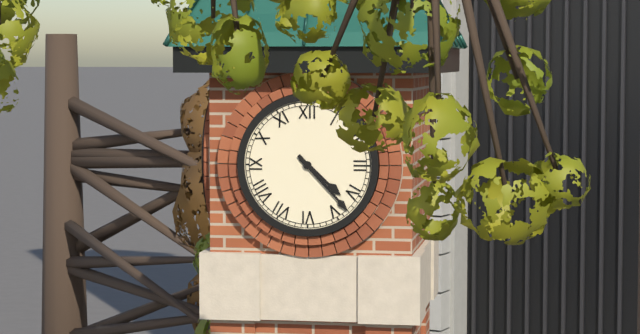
4:23
